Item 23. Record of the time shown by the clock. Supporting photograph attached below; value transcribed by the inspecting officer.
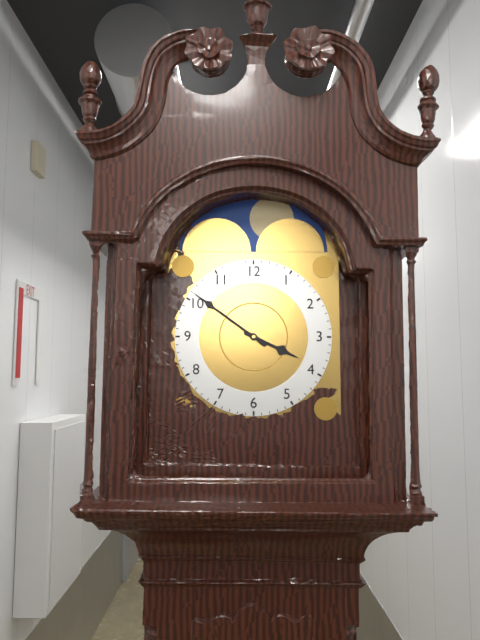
3:51
